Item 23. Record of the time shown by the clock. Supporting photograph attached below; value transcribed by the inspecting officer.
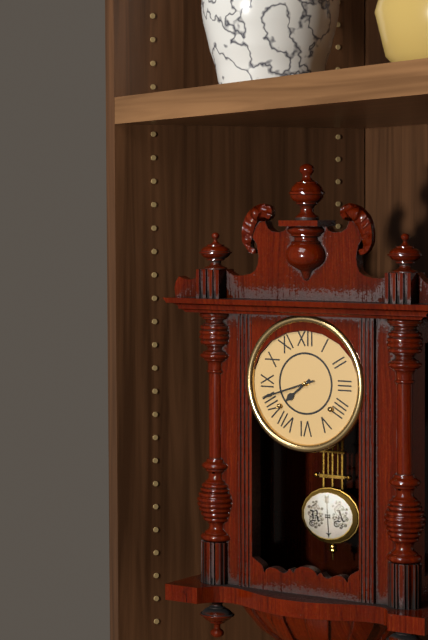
7:42
